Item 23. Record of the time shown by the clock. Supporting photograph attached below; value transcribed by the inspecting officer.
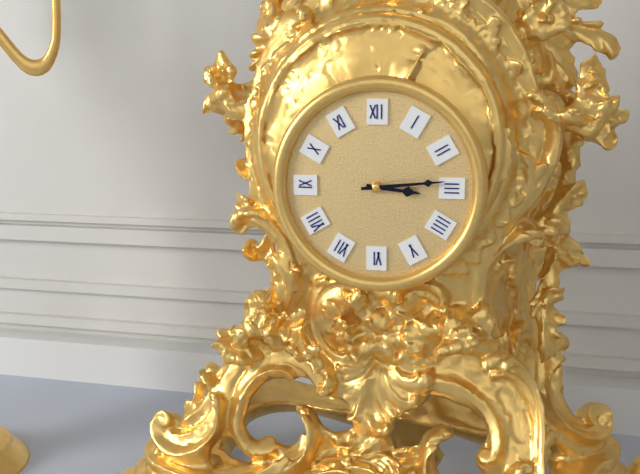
3:14
